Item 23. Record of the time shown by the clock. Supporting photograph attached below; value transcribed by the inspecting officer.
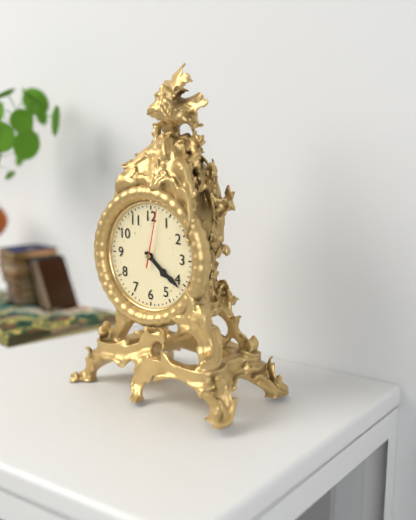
4:21:02
